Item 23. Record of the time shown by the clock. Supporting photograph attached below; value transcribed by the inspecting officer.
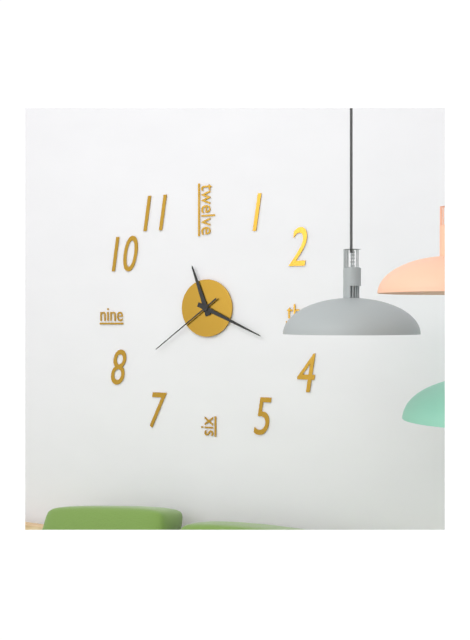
11:19:39
